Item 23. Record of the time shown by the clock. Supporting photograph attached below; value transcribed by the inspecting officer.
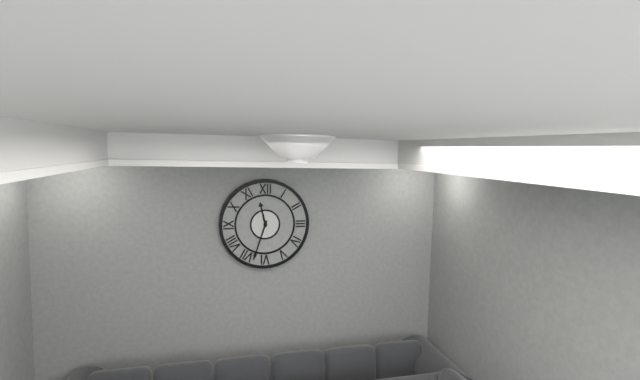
11:33
